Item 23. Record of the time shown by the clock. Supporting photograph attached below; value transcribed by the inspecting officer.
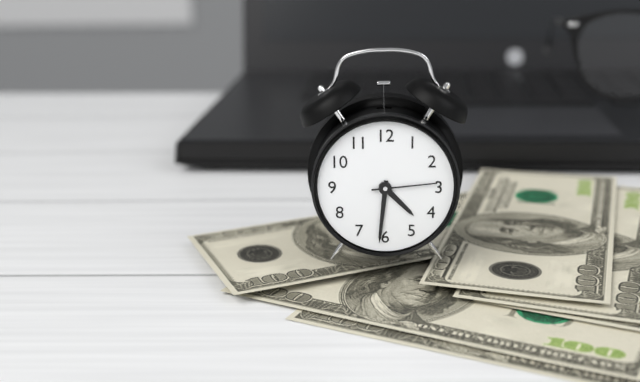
4:31:14
